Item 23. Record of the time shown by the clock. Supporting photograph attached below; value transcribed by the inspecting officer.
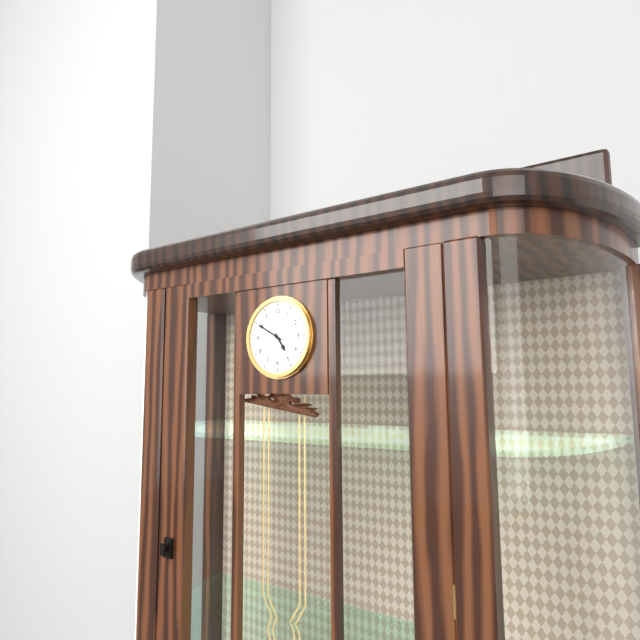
4:50
